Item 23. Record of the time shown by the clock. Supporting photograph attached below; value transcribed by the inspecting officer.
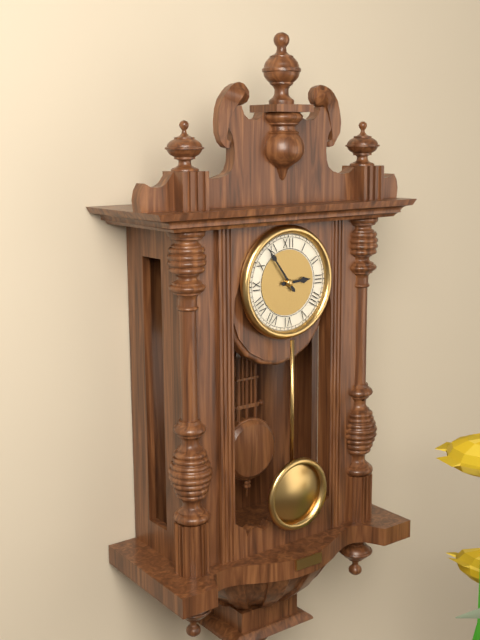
2:54
